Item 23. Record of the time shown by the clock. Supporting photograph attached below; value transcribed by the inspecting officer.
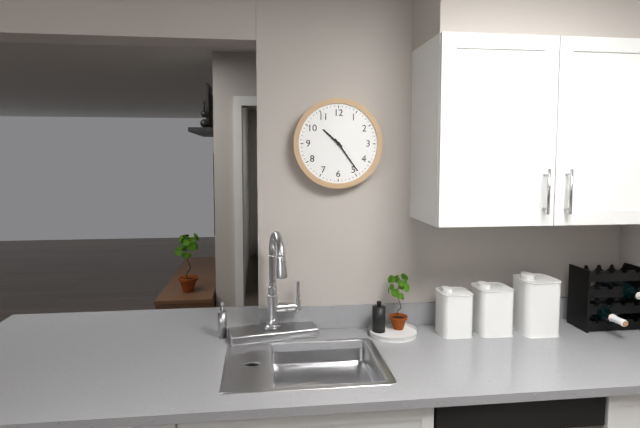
10:24
